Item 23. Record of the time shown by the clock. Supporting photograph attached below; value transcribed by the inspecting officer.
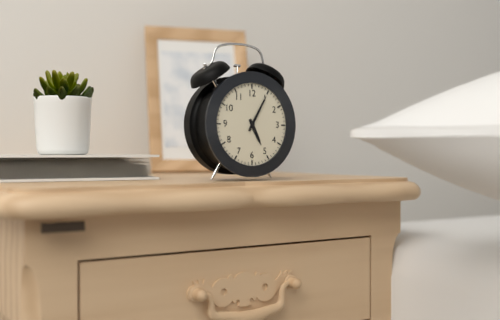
5:05
